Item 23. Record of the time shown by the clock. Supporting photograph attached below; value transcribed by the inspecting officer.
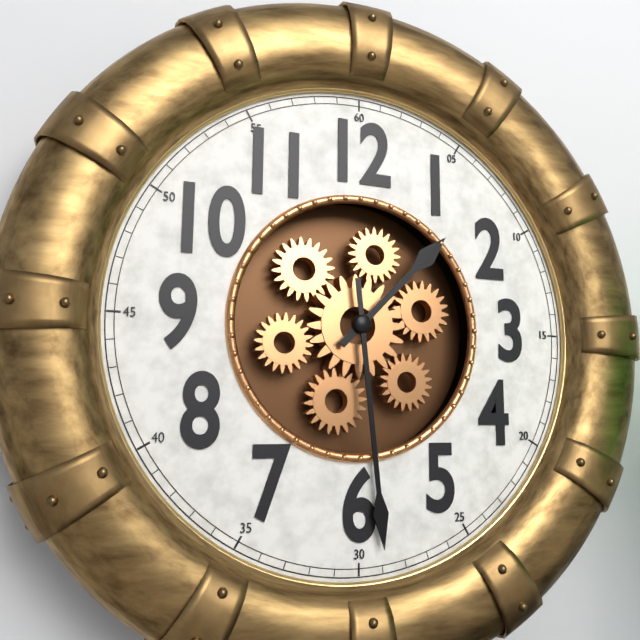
1:29
